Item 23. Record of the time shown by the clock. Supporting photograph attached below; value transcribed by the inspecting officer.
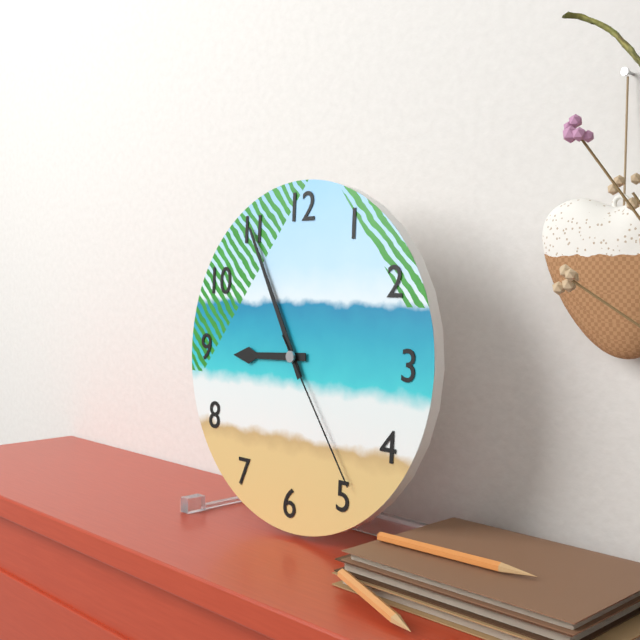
8:55:24
